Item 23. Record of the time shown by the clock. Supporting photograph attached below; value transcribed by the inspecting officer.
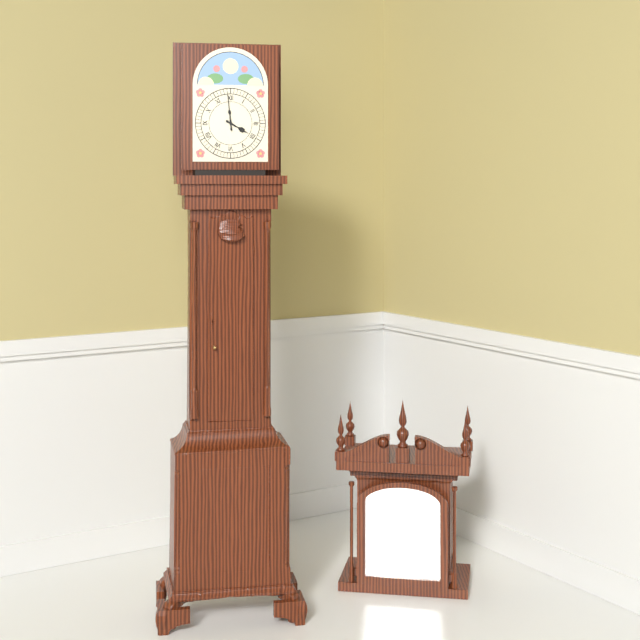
3:59
